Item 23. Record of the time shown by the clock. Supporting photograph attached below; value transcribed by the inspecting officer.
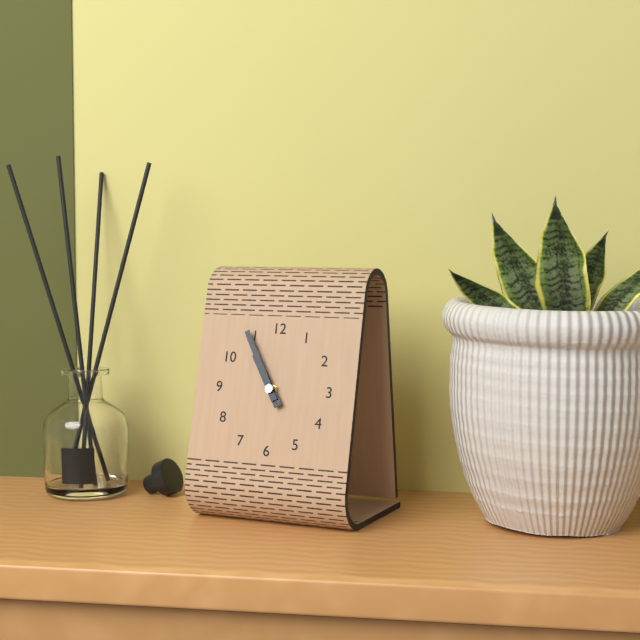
10:55
